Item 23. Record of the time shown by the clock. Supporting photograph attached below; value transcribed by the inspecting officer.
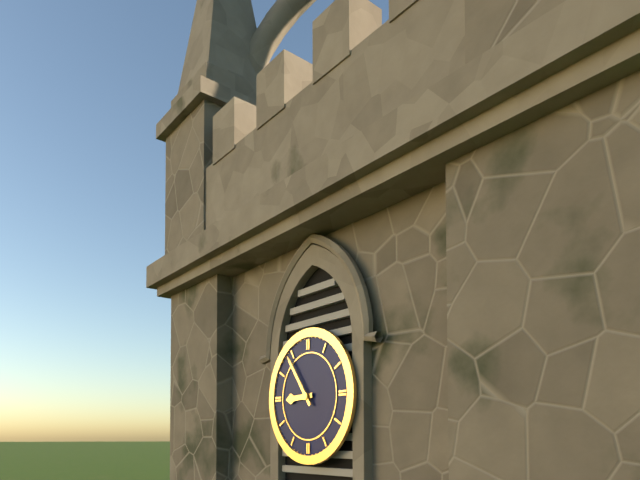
8:54
